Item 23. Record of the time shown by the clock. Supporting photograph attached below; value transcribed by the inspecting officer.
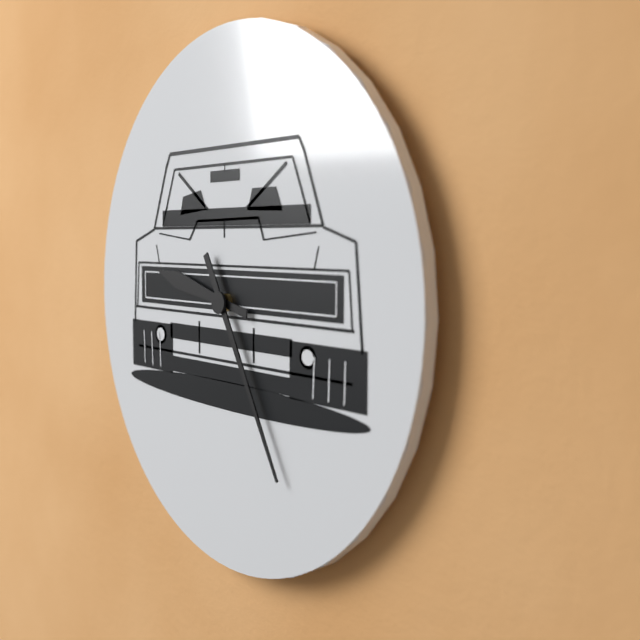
9:25
